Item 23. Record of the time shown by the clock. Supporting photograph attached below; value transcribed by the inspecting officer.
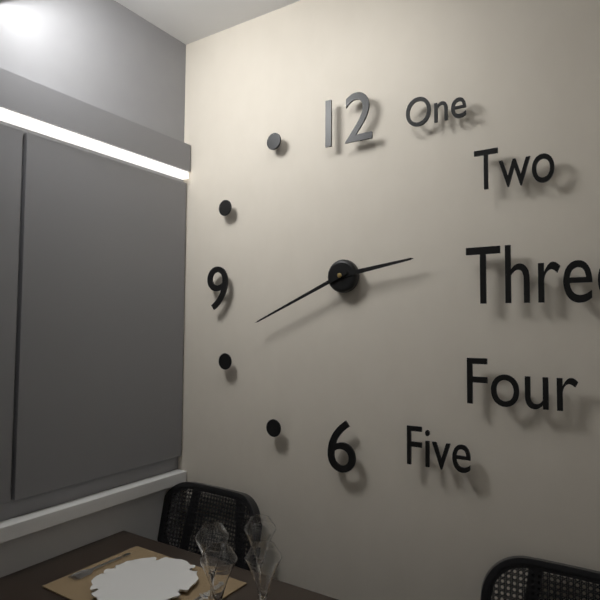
2:41
